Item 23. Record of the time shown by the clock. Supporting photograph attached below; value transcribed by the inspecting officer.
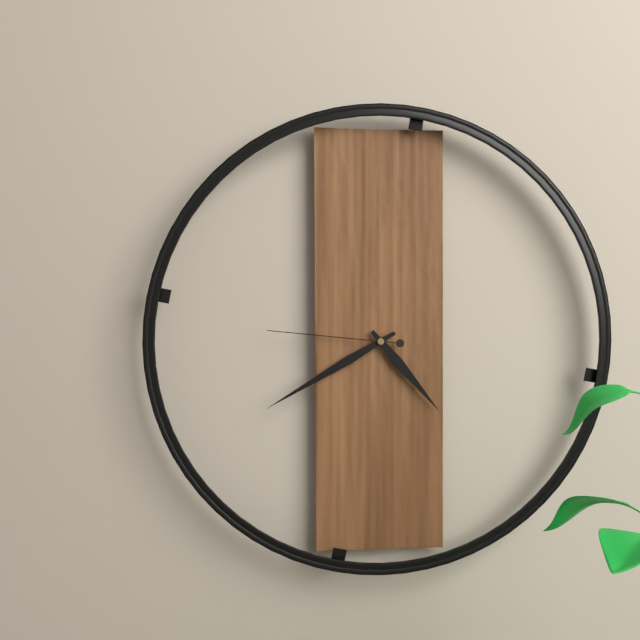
4:40:46
